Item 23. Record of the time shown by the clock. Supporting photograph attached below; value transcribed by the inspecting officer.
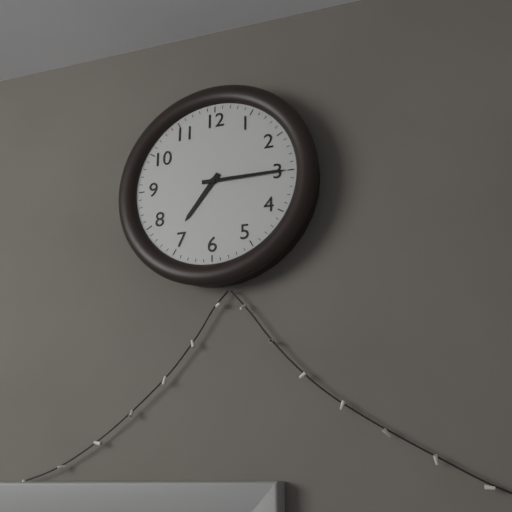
7:15
